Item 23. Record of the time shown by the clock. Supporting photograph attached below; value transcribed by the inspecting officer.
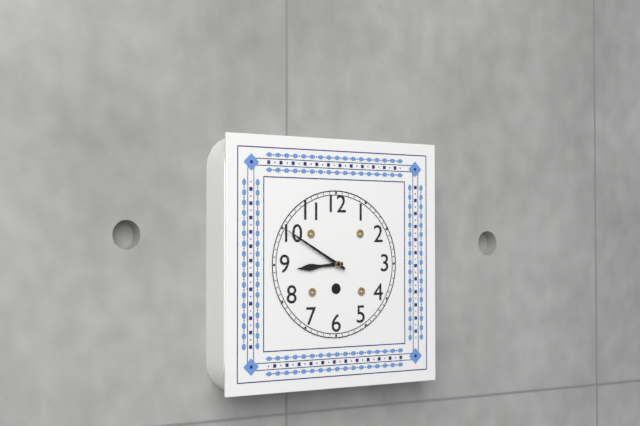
8:50
